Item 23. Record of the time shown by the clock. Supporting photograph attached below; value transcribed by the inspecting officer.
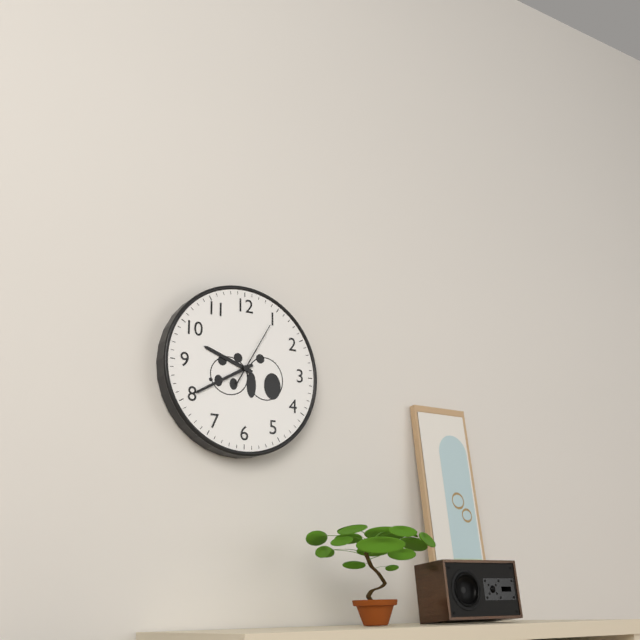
9:40:05
